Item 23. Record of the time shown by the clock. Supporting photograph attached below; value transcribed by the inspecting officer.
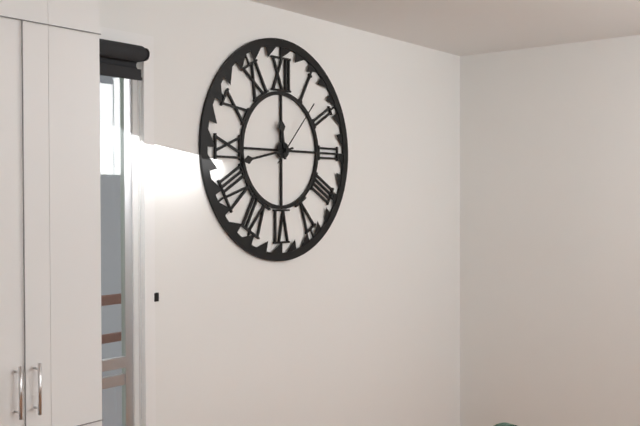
11:43:07
